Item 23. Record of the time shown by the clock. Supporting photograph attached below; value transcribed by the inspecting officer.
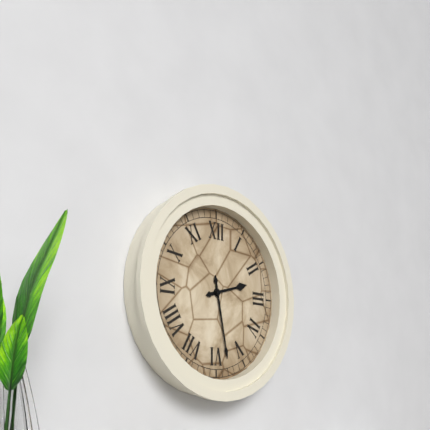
2:28
